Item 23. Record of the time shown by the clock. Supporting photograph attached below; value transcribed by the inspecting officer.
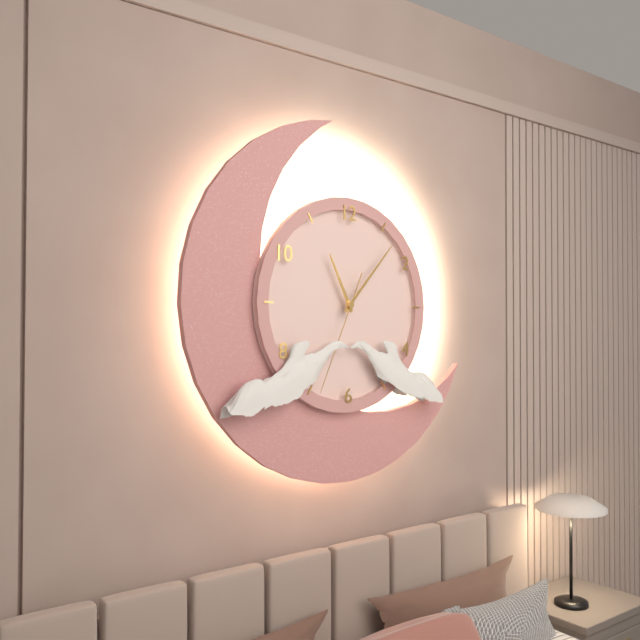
11:07:34
